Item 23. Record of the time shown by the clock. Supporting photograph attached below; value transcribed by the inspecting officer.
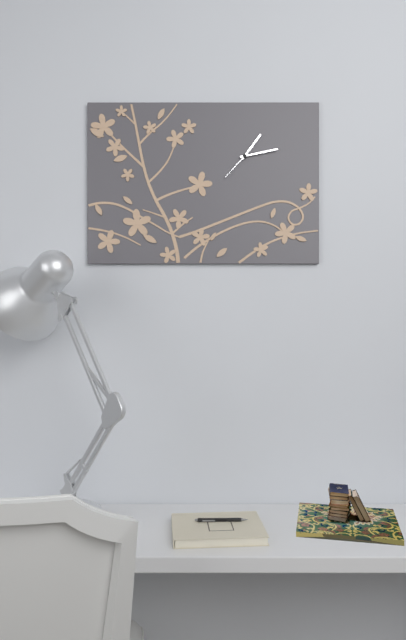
1:13
